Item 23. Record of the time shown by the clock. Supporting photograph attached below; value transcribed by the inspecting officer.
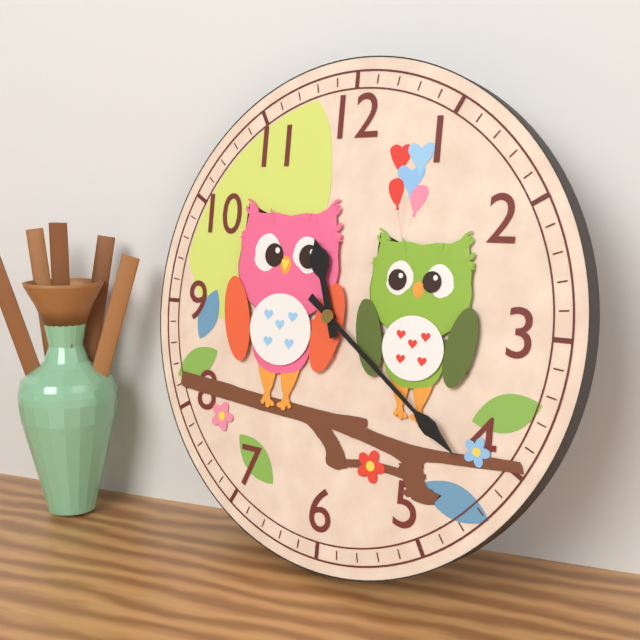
11:21
